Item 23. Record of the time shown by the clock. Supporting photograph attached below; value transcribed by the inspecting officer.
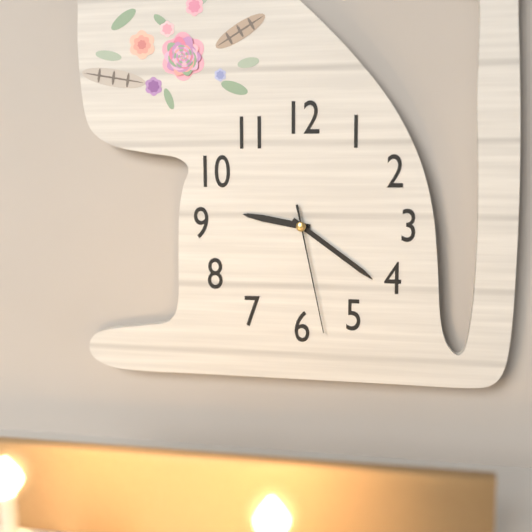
9:21:28
